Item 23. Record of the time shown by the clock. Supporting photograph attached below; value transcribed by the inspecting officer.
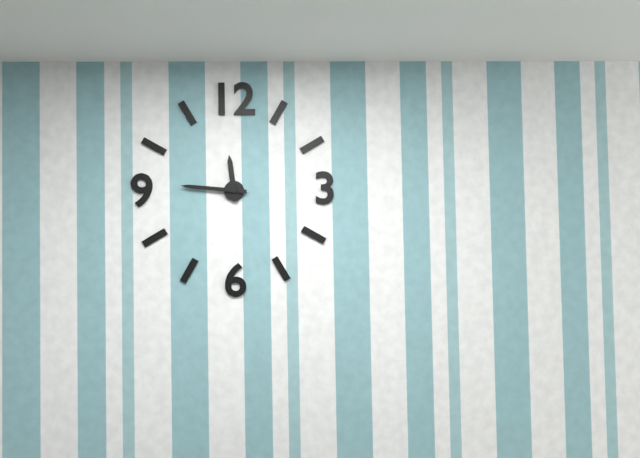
11:46
